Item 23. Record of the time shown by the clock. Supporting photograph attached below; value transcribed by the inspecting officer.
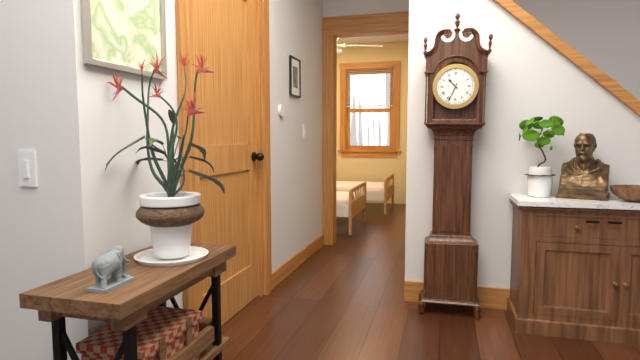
10:34
